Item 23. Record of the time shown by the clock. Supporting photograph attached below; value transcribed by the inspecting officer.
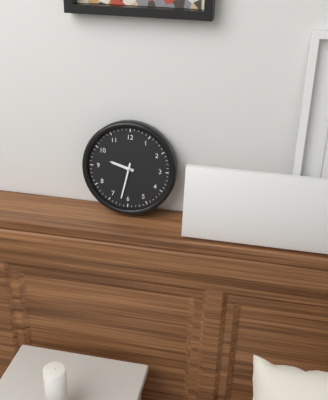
9:32
